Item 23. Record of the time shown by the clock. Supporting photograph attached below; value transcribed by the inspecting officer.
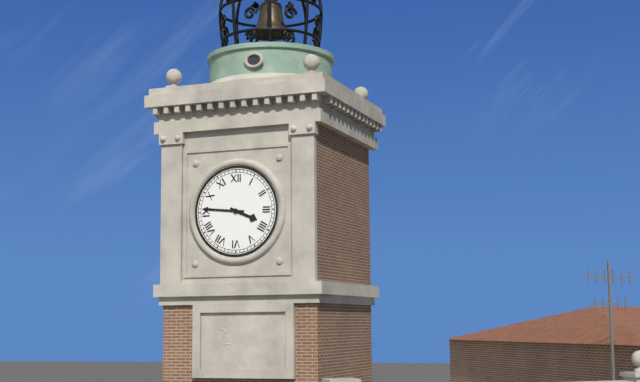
3:46
